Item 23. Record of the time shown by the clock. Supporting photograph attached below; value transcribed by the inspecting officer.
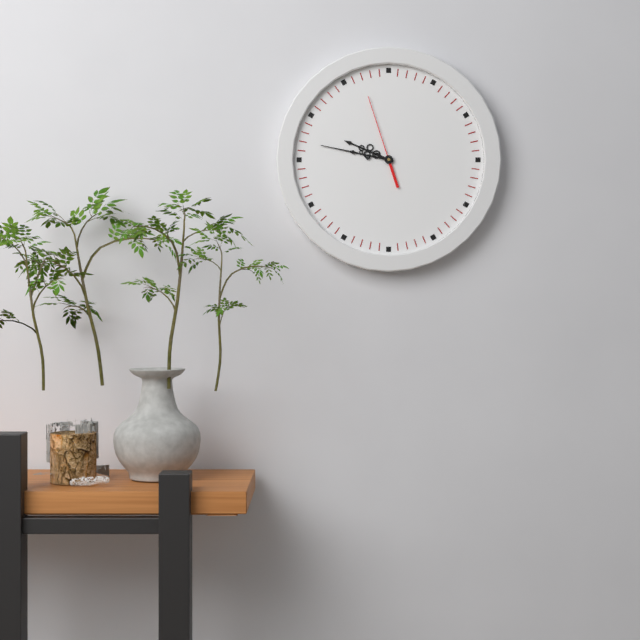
9:47:57
